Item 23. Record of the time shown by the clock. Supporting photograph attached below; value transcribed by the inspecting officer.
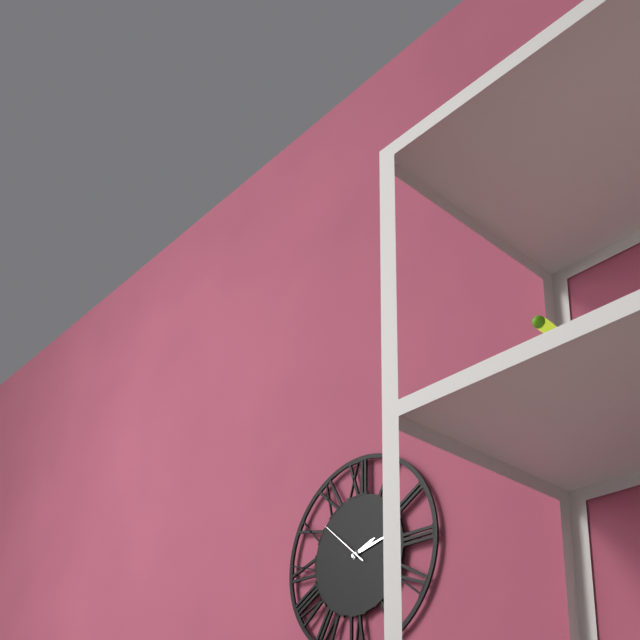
2:13:52
